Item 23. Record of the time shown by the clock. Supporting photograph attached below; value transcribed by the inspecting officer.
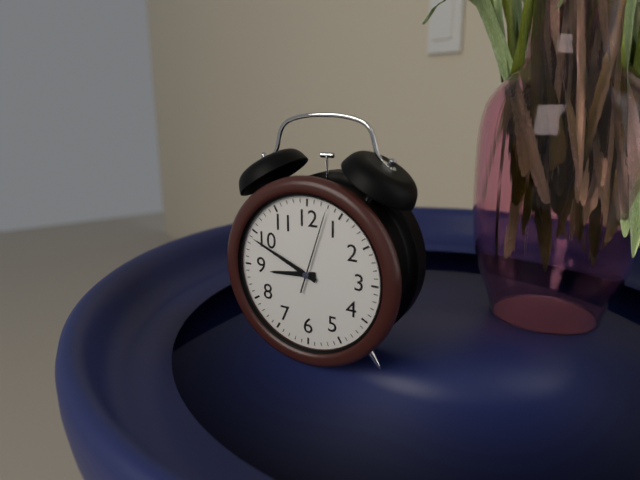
8:49:03
